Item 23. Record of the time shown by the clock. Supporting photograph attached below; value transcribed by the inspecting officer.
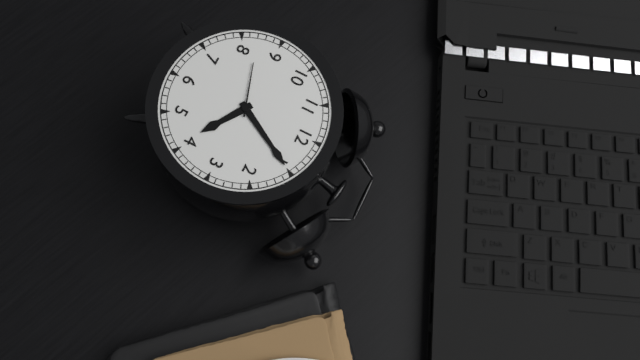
4:05:42
